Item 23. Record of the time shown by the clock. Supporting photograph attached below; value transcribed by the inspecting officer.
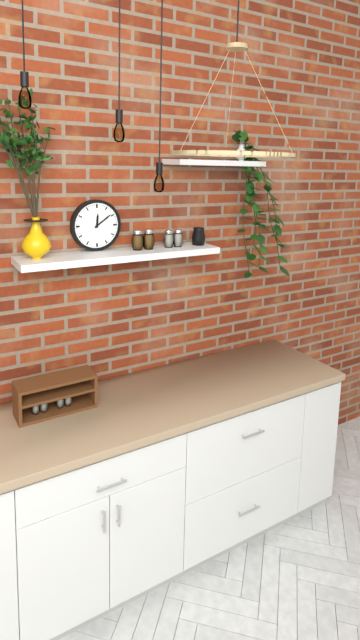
12:09
